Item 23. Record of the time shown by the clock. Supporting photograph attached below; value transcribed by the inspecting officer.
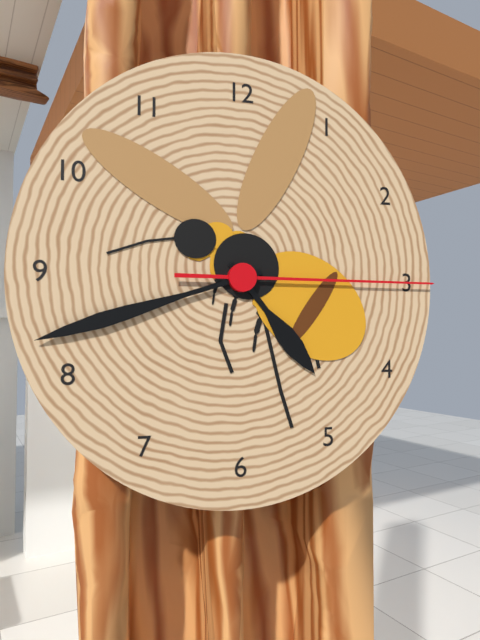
4:42:15
